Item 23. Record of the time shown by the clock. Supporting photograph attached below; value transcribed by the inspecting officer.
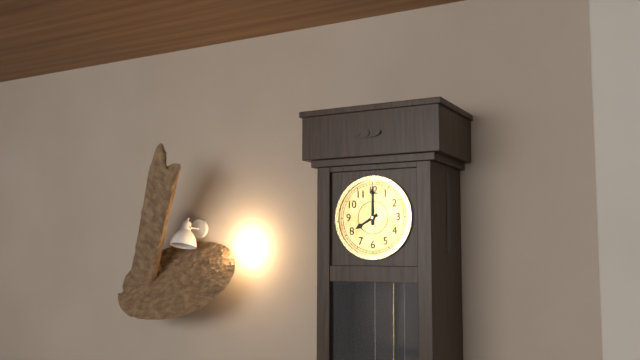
8:00
